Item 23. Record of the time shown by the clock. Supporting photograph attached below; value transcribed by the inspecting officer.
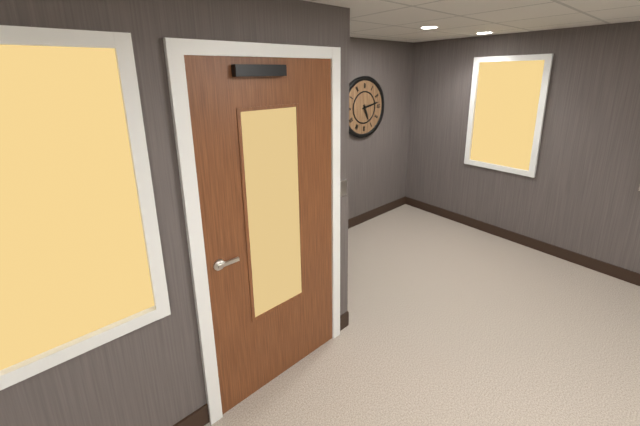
5:13
